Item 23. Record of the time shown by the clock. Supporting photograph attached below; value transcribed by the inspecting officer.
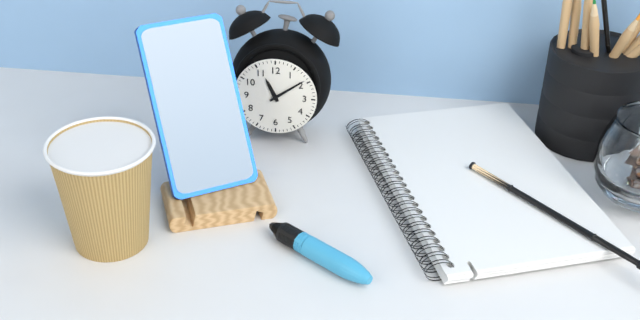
11:09
